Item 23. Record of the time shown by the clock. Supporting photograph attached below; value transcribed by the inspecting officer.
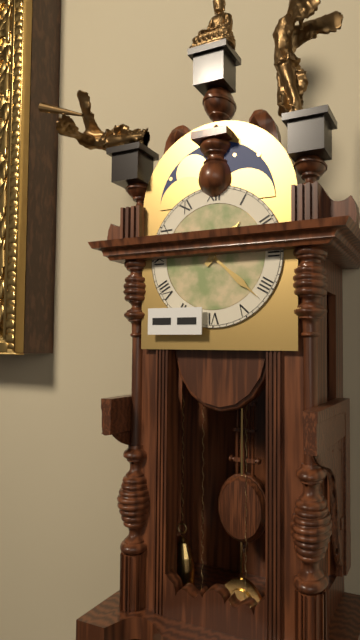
1:22
